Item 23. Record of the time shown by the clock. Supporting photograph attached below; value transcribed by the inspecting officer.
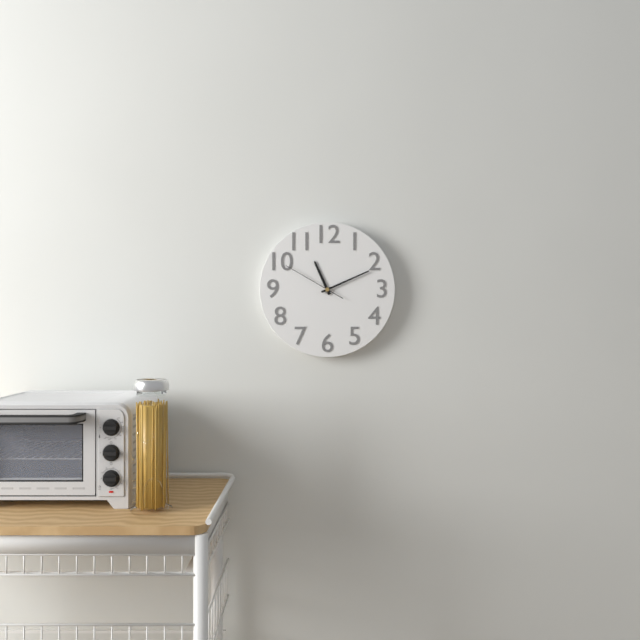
11:11:50
